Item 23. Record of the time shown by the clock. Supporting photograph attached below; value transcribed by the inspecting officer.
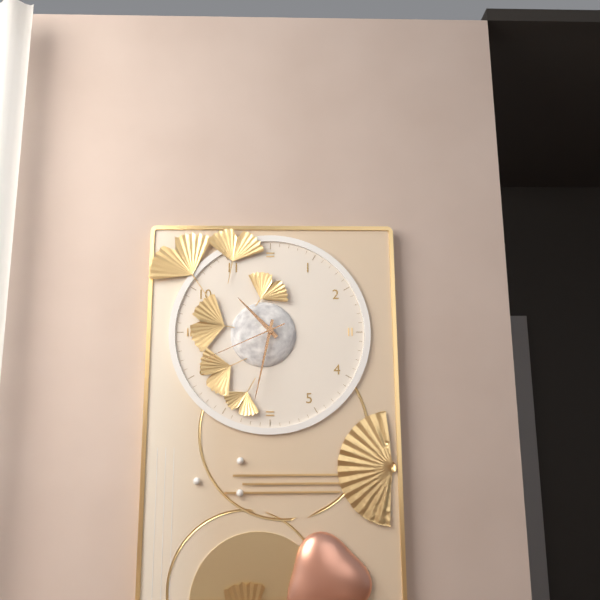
10:32:41
